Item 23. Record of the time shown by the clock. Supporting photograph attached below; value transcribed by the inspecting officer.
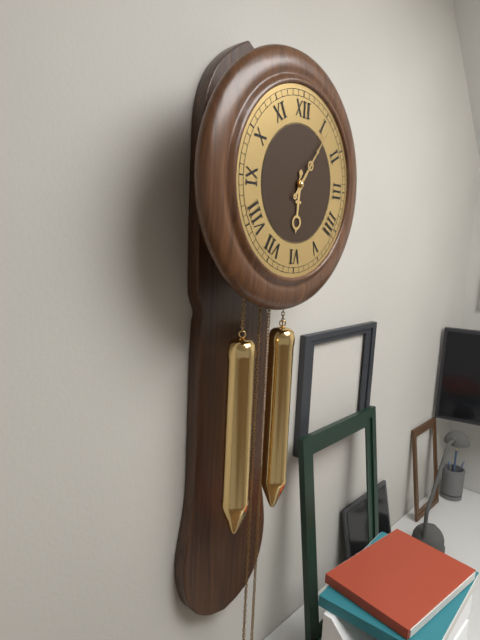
6:06
